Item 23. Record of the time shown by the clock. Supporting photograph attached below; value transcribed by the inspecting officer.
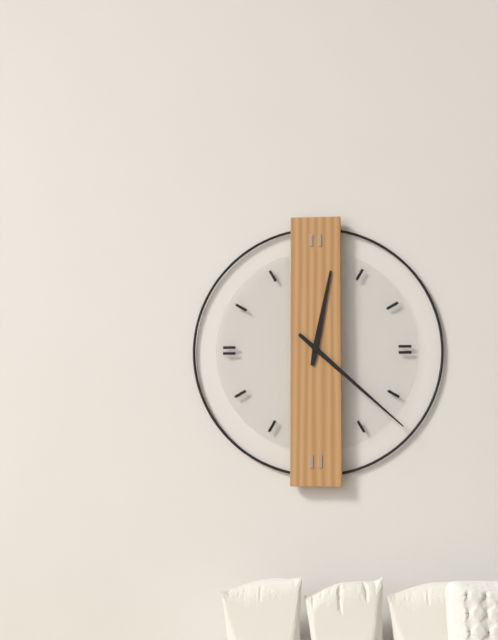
12:22
